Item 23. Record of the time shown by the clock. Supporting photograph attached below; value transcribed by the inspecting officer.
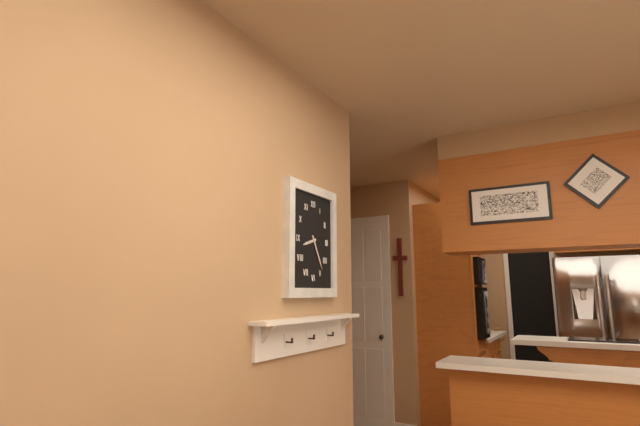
8:25
